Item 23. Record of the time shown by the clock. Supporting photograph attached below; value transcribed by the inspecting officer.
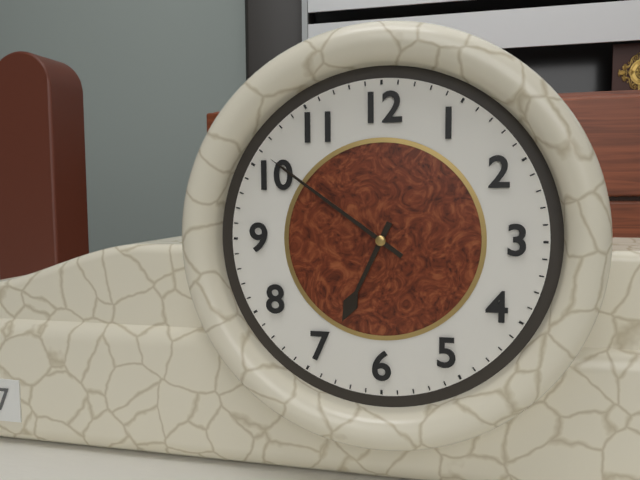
6:51
